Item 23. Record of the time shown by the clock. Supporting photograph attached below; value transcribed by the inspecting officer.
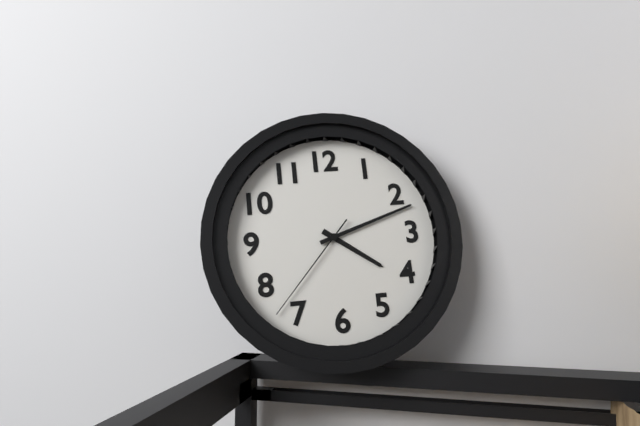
4:12:37
